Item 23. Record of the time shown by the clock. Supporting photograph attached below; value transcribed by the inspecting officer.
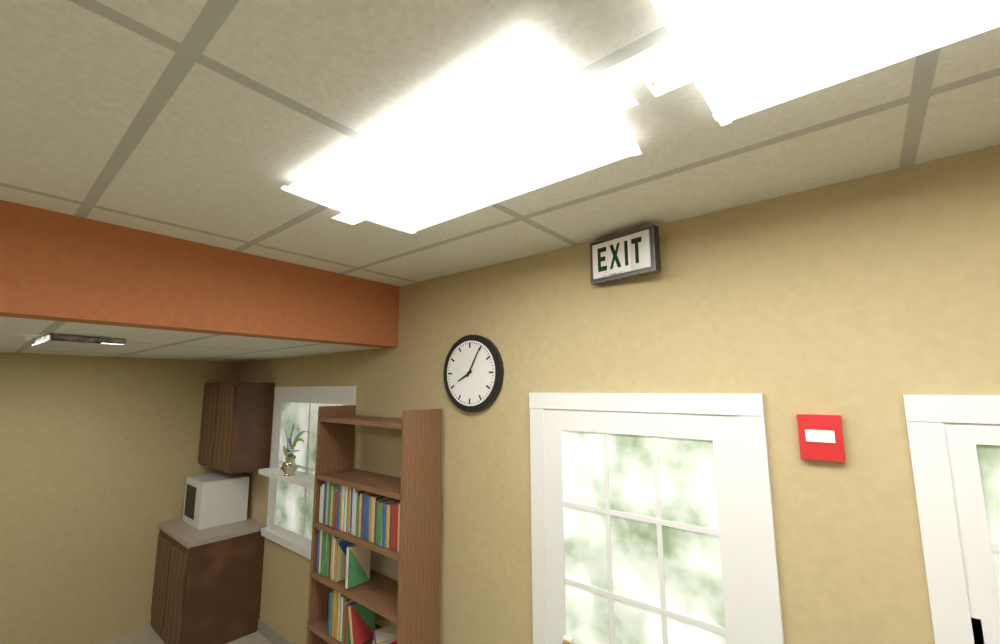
8:05
